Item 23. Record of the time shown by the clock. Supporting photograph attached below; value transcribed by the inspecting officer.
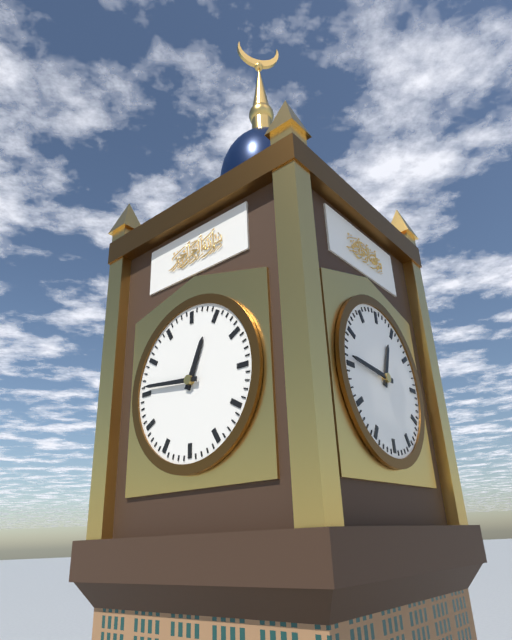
12:46
